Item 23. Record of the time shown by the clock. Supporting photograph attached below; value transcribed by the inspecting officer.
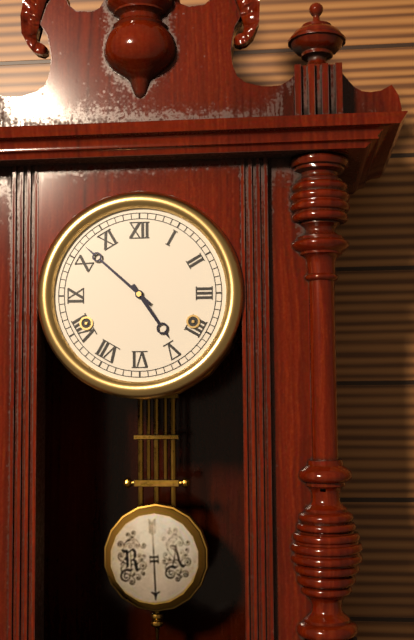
4:52
